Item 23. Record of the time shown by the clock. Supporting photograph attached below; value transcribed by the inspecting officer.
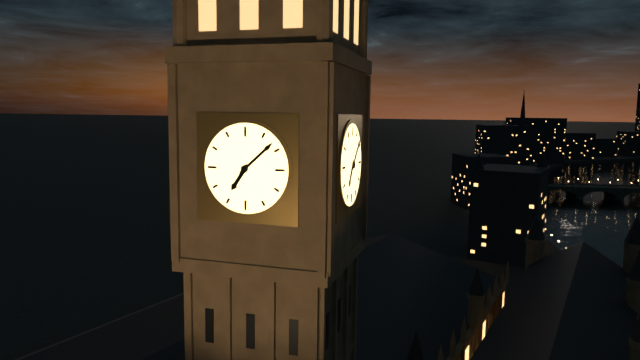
7:08
